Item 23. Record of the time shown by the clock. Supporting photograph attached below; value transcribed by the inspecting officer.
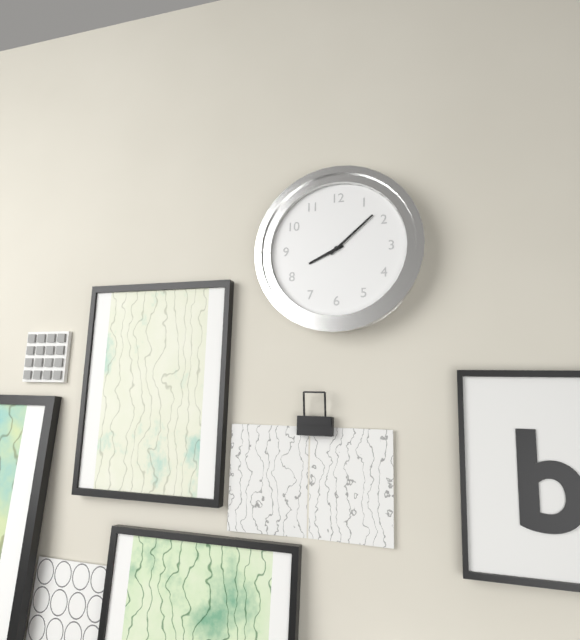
8:08
